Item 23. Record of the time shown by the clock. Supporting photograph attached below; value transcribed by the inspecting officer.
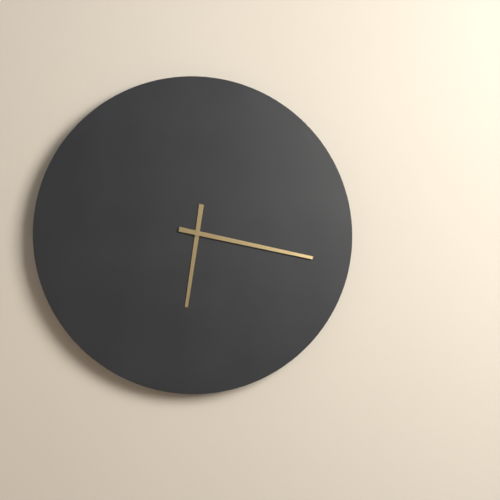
6:17
